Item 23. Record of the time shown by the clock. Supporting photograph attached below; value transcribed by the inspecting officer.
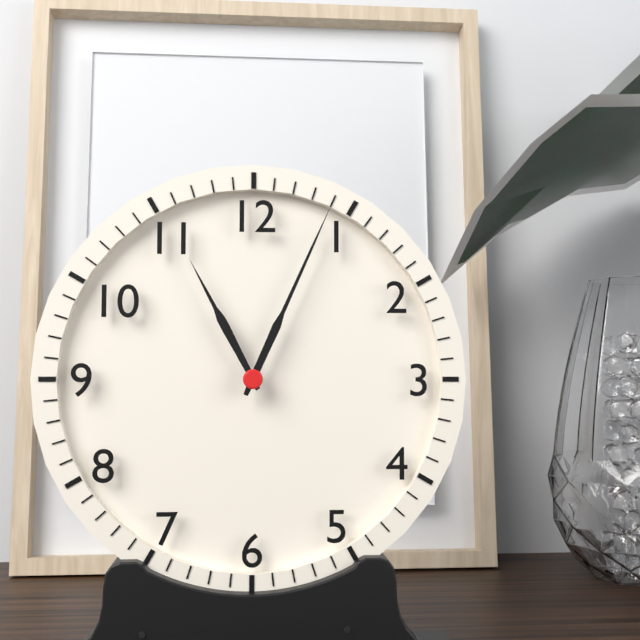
11:04
